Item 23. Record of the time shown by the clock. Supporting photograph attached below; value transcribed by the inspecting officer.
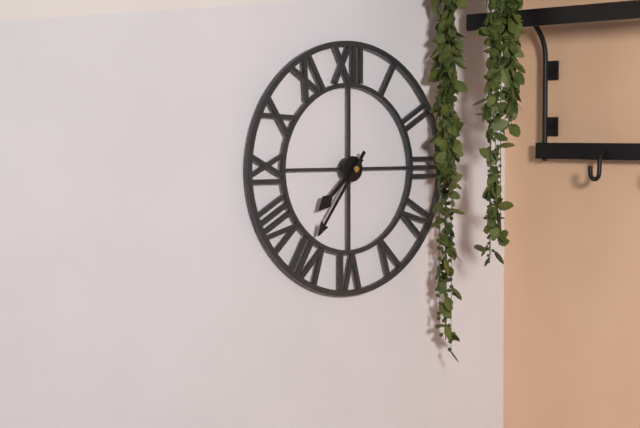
7:36
